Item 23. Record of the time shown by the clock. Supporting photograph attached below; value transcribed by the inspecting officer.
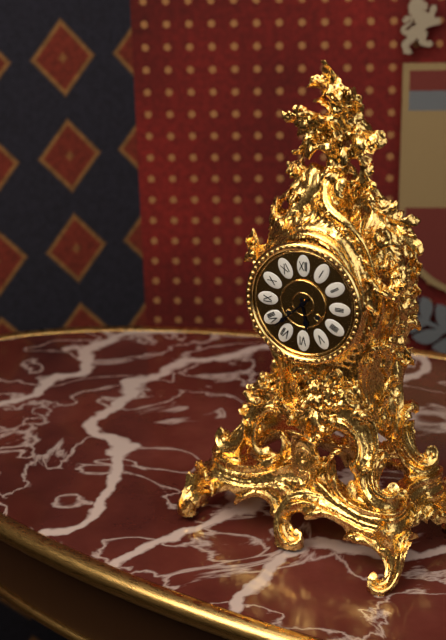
5:38
